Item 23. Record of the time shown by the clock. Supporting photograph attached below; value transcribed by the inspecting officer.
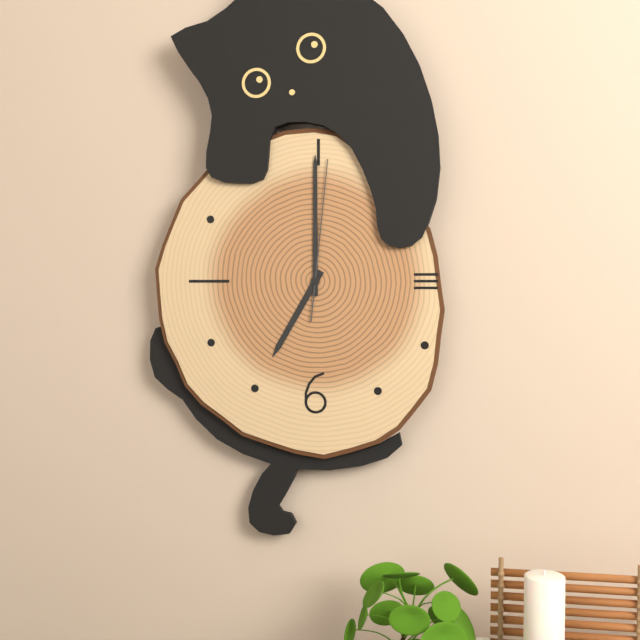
7:00:01
